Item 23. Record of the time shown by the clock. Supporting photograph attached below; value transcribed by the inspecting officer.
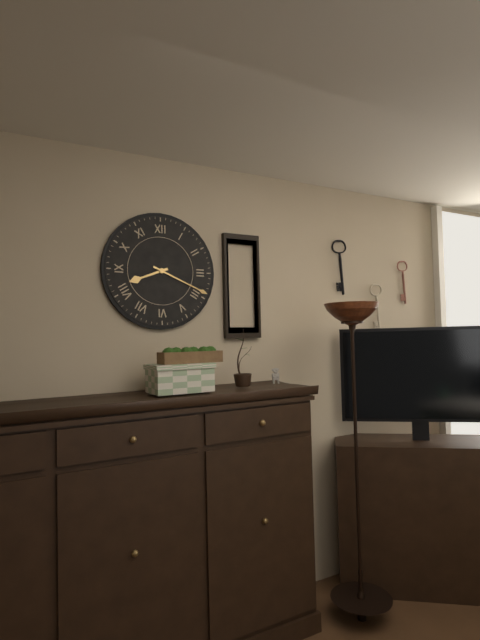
8:19
